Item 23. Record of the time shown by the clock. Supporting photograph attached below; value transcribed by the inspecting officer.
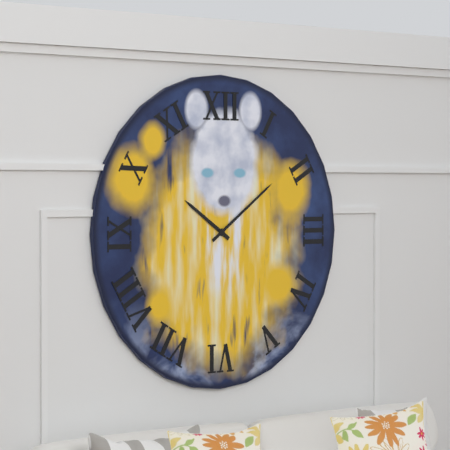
10:09
